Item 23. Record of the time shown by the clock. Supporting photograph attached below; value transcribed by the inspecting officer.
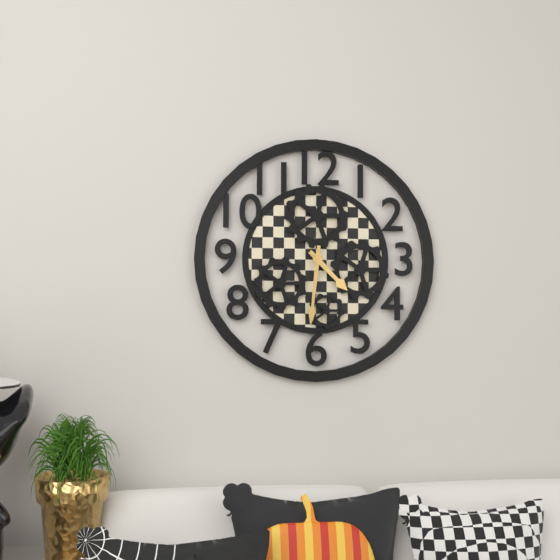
4:31
